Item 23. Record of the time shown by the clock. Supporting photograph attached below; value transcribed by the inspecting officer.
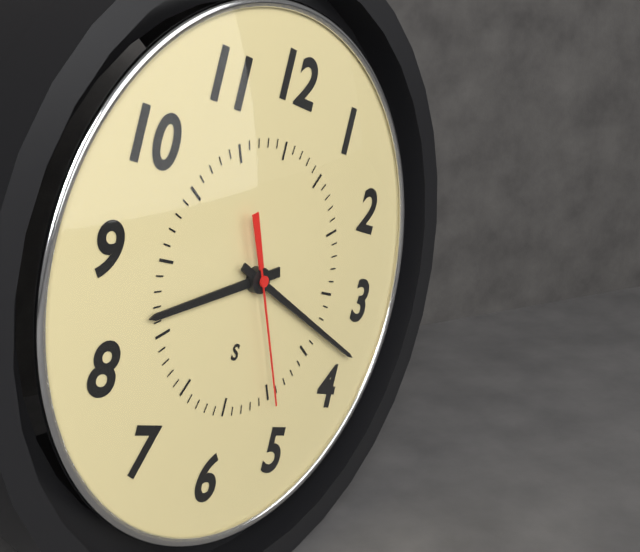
8:18:25
